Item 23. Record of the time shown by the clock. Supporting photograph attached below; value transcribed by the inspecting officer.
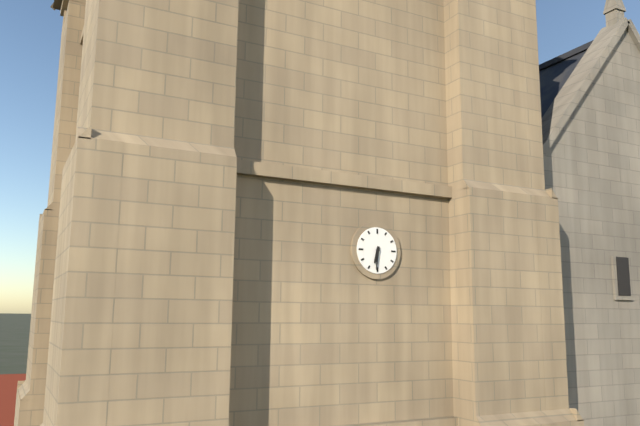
6:31
